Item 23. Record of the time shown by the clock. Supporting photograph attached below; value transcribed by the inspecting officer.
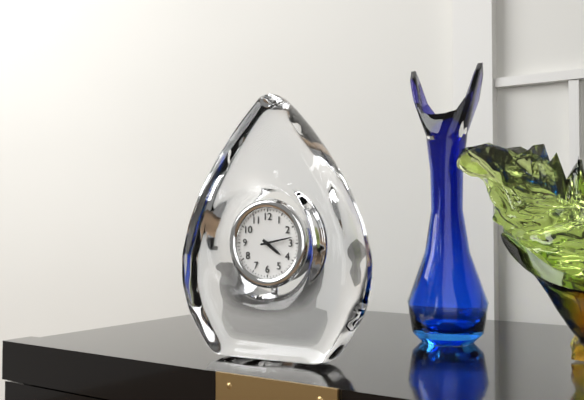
4:13
